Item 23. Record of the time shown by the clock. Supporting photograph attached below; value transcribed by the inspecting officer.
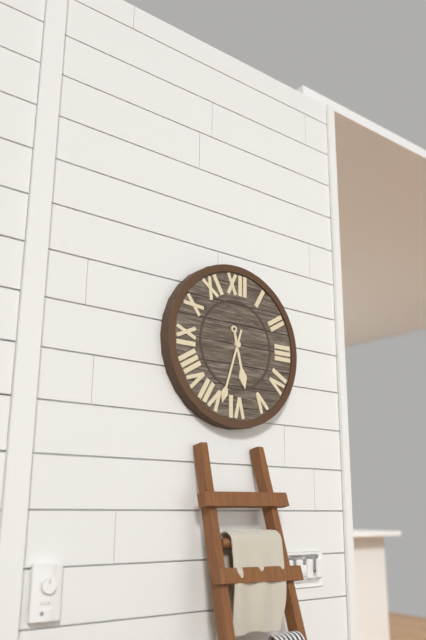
5:33
